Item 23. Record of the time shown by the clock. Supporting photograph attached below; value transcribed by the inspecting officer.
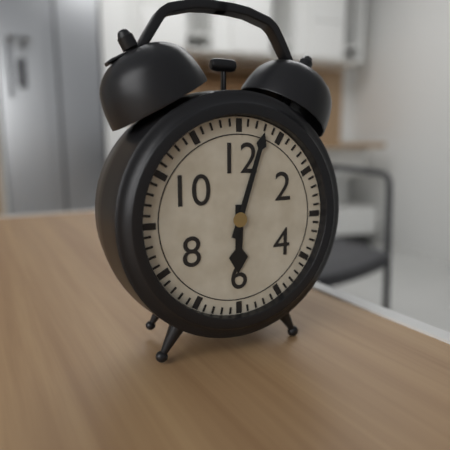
6:03
